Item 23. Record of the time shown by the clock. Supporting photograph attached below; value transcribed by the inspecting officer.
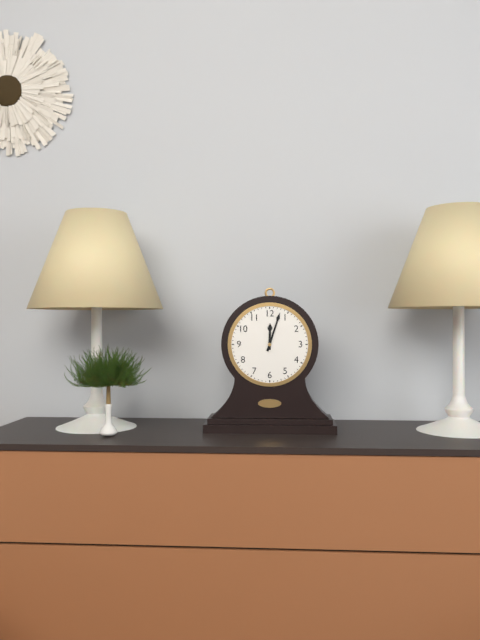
12:03
